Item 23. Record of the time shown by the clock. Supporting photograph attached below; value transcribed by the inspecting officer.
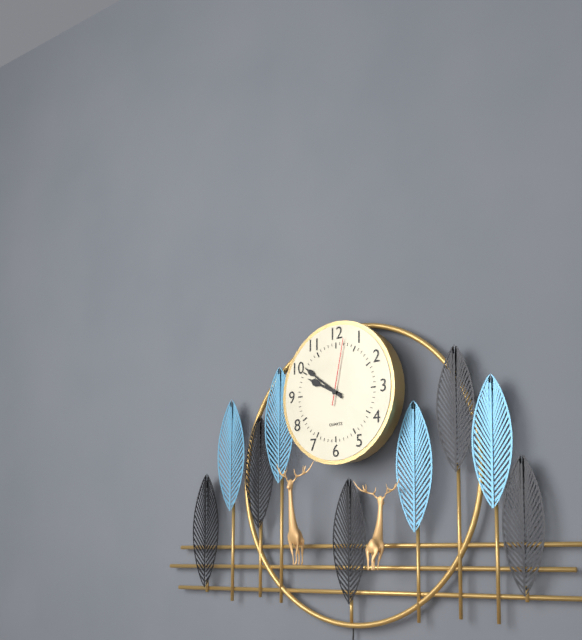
9:51:02
